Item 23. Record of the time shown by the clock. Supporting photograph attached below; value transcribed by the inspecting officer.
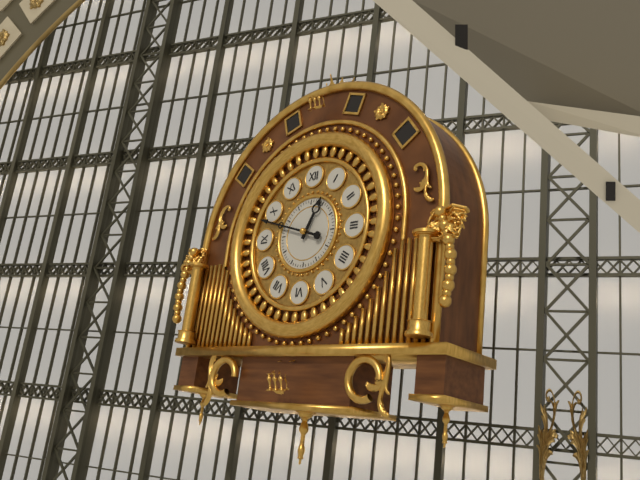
12:48
